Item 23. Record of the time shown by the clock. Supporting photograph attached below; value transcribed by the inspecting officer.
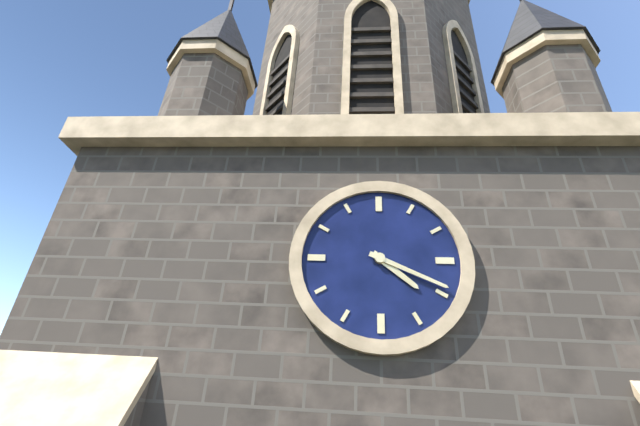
4:19
